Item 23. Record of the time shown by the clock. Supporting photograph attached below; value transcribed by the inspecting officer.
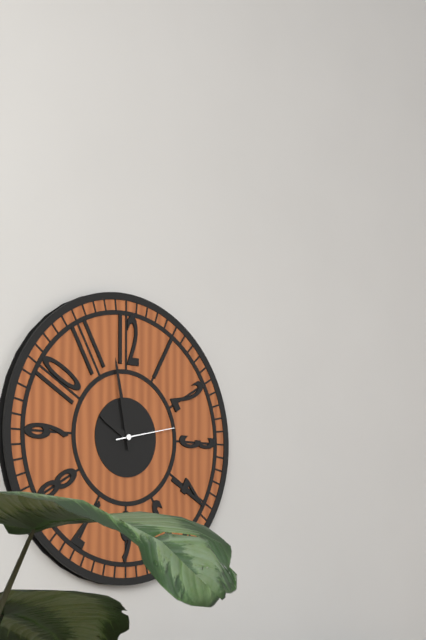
9:58:13
